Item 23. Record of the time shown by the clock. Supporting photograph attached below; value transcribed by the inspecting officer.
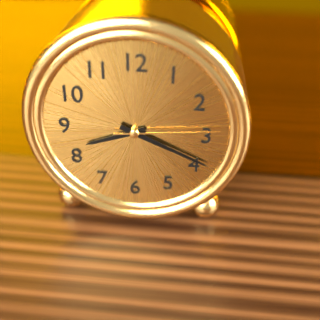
8:19:14
